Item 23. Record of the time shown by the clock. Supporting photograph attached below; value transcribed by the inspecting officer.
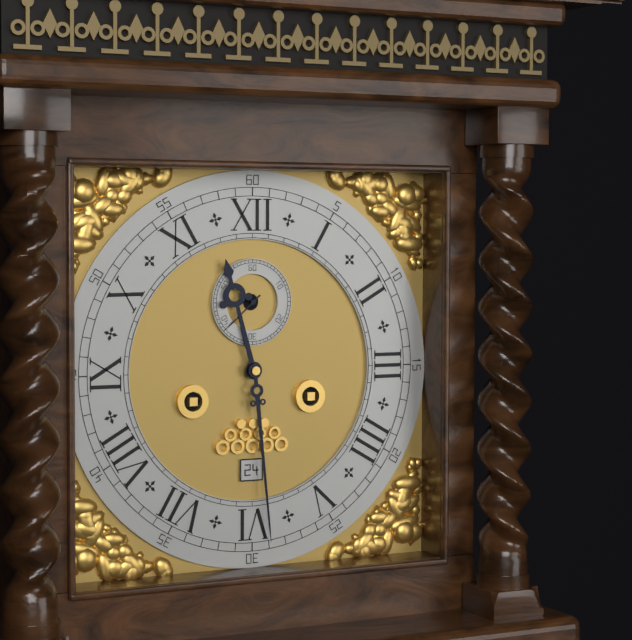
11:29
